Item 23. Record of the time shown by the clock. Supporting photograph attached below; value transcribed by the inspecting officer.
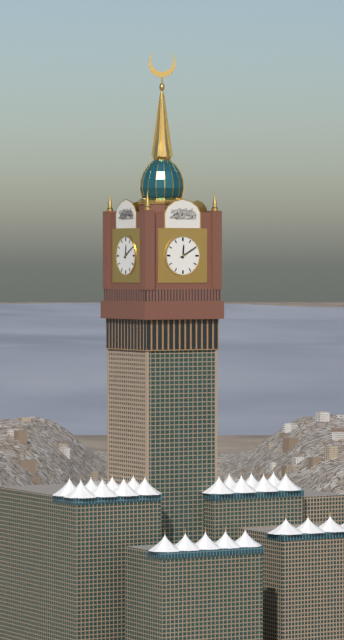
12:10
